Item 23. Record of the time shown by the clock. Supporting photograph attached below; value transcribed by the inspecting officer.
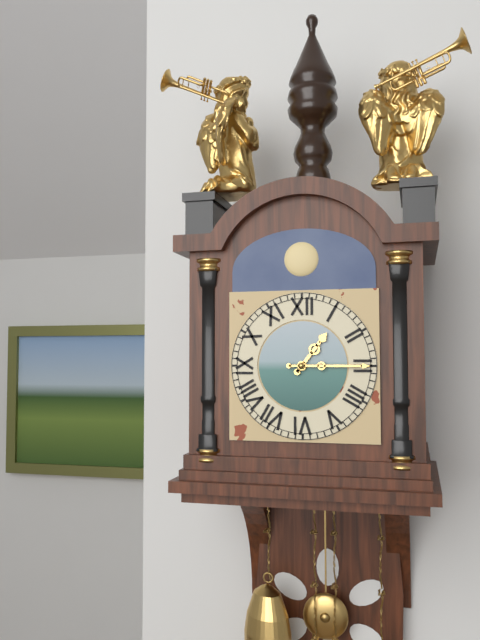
1:15
